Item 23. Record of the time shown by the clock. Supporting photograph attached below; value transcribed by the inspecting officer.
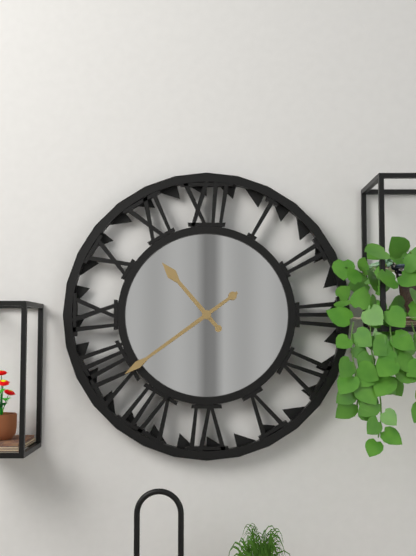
10:39
